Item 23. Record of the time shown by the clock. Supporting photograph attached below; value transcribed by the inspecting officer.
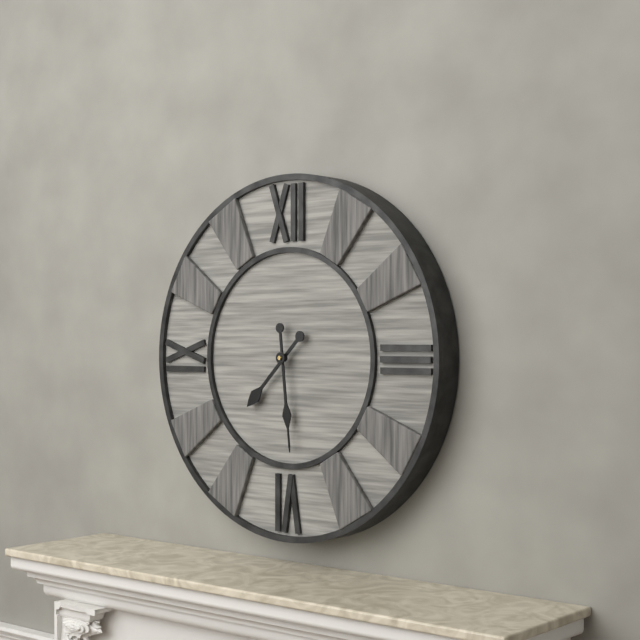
7:29
